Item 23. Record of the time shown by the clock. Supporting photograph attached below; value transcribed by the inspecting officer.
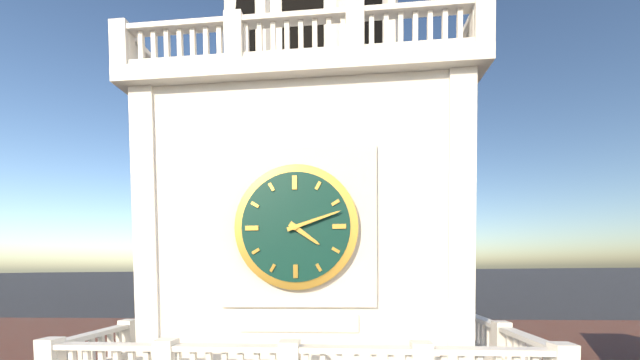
4:12
